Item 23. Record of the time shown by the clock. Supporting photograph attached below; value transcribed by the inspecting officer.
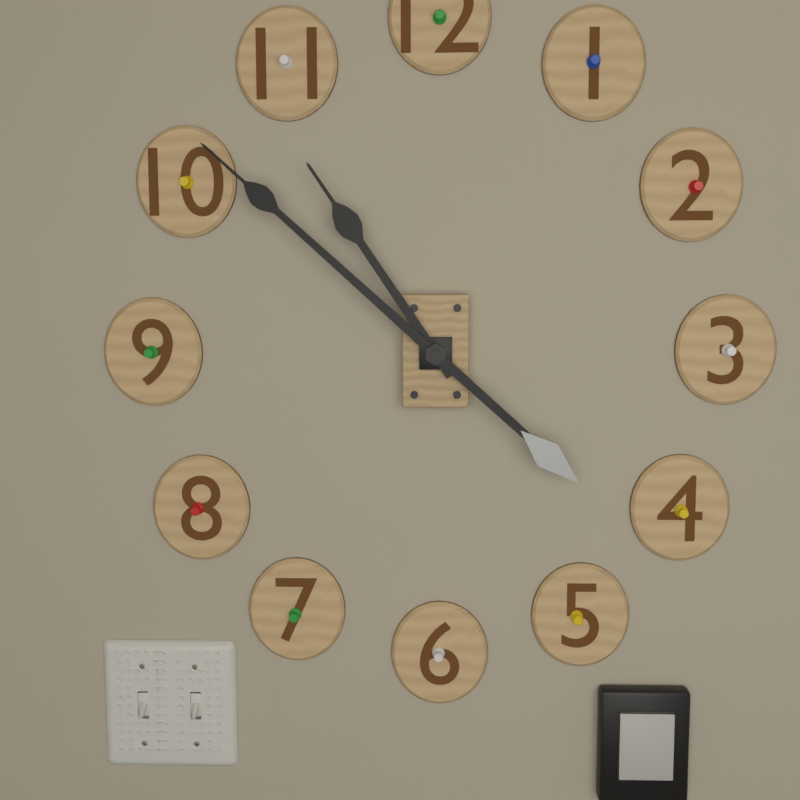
10:52
